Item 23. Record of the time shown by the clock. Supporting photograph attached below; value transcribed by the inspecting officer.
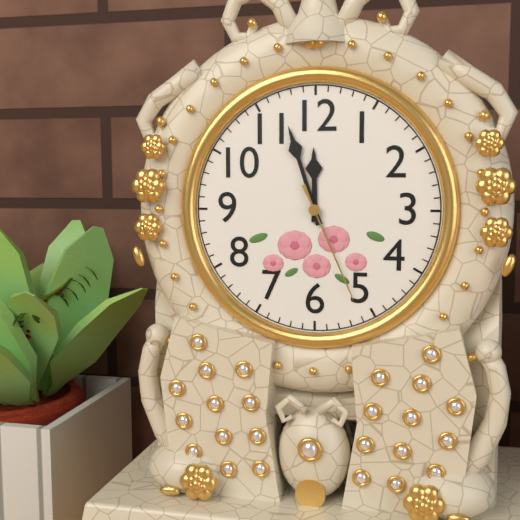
11:57:26
